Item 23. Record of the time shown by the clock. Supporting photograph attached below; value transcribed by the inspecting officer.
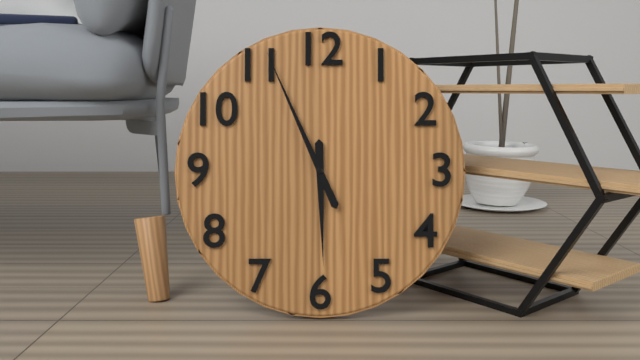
5:56
